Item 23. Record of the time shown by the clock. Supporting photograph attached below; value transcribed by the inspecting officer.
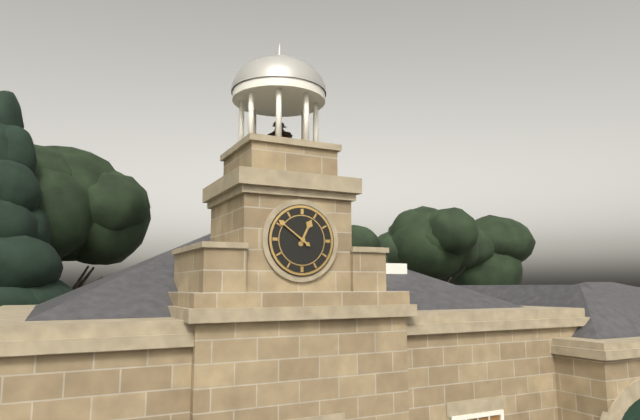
12:51
